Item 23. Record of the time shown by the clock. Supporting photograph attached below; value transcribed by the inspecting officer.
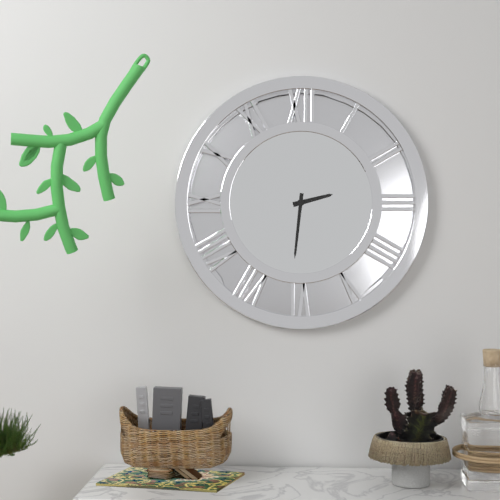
2:31
